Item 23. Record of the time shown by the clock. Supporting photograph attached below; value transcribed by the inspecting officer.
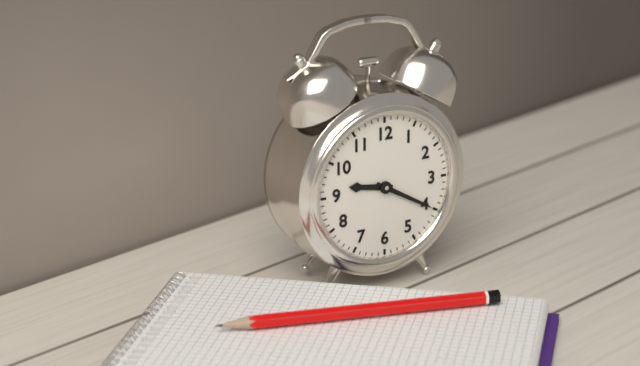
9:20
